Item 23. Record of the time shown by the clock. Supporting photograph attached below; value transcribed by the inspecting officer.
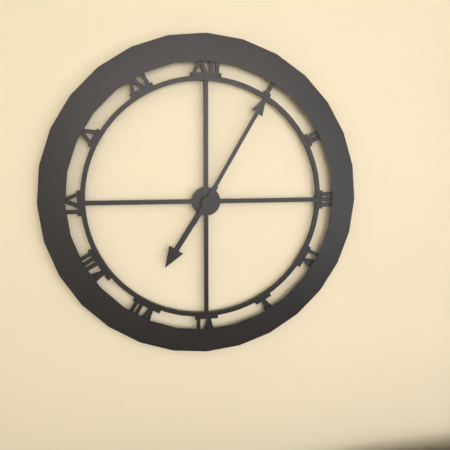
7:05
